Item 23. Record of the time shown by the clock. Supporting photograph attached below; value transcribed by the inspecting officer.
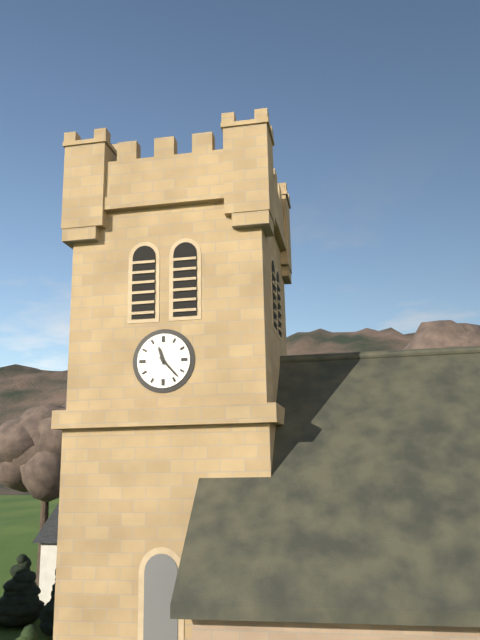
11:23
